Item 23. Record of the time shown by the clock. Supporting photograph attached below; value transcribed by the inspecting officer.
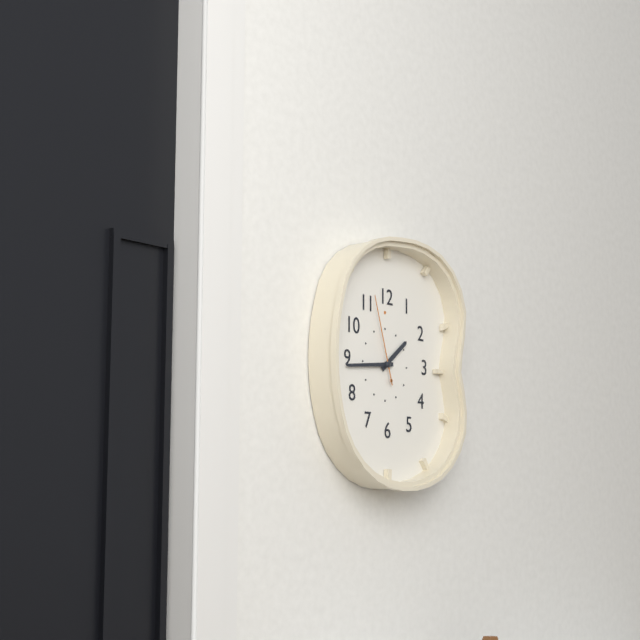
1:44:57
